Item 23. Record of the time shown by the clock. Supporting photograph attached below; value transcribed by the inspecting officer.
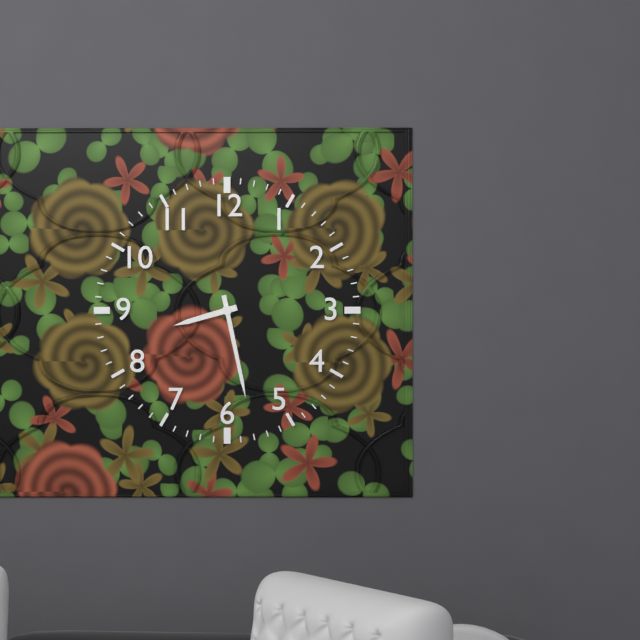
8:28
